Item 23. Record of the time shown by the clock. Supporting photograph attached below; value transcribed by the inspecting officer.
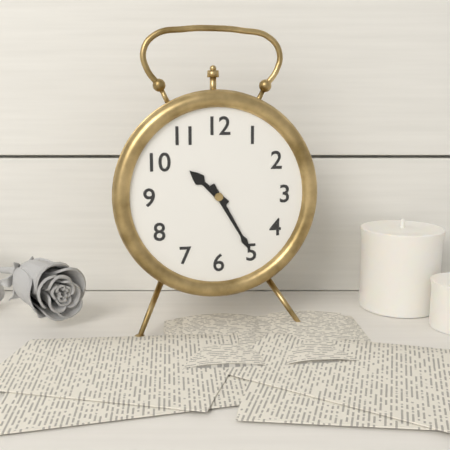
10:25
